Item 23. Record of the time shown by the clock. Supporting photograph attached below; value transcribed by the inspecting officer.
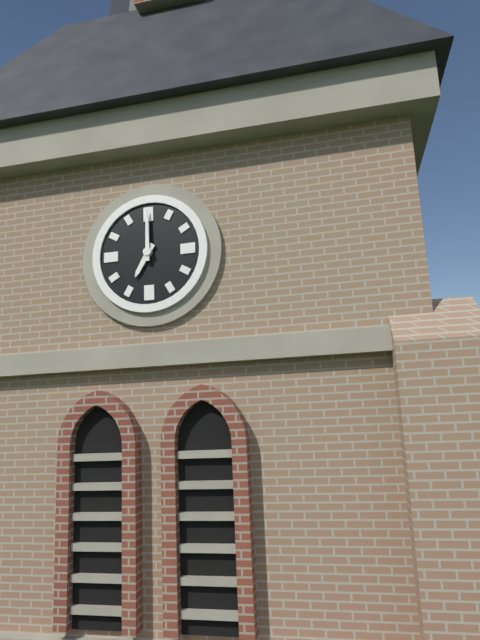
7:00
